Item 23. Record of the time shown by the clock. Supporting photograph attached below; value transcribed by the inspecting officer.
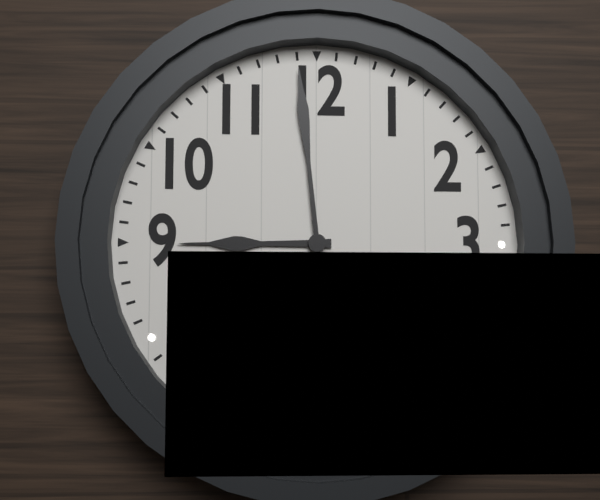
8:59
